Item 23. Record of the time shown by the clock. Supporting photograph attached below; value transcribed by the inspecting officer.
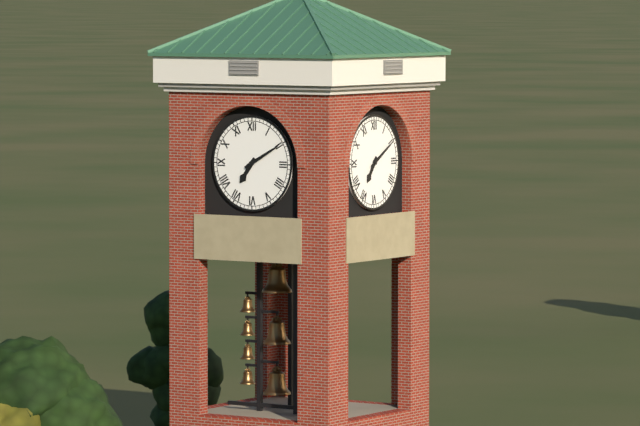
7:10
